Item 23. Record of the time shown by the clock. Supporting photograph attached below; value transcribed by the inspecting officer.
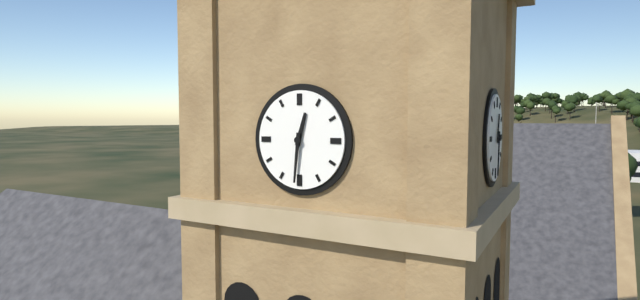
12:31
